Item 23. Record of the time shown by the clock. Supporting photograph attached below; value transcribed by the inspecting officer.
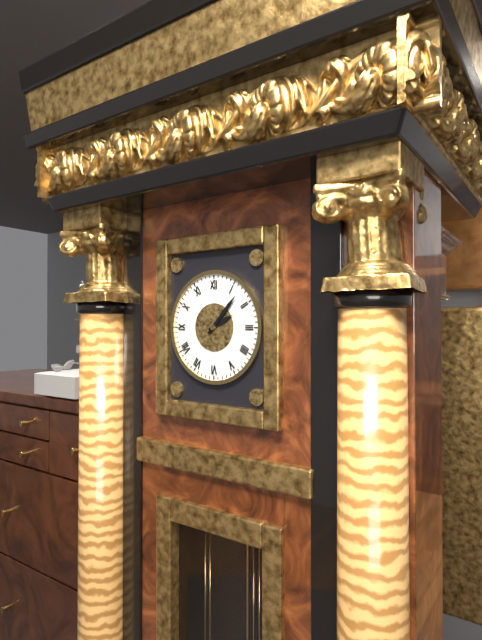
2:07
